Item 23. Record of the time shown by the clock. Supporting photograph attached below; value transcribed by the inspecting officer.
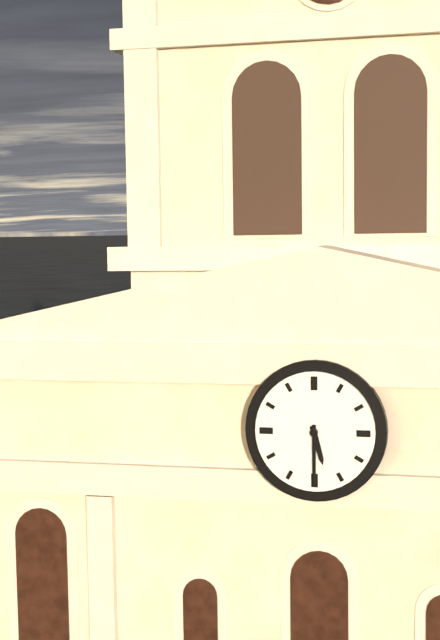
5:30
